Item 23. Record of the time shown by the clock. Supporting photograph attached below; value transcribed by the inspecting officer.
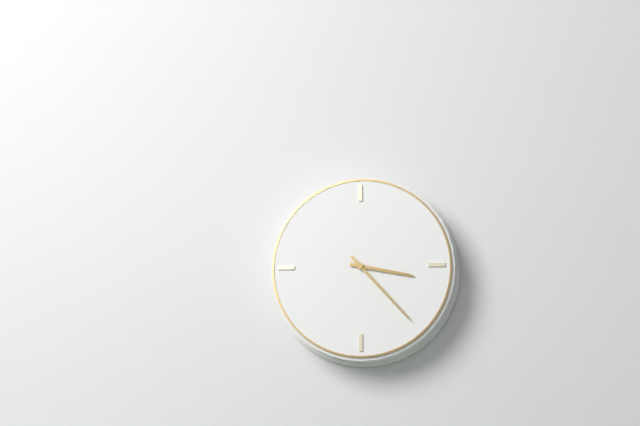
3:23
